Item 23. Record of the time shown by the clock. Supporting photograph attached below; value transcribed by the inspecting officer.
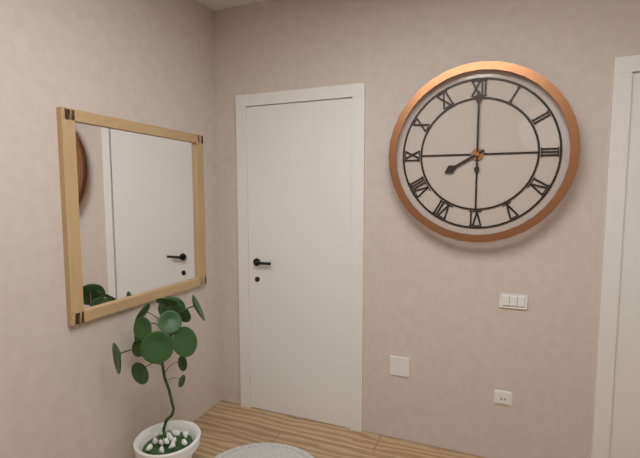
8:00
